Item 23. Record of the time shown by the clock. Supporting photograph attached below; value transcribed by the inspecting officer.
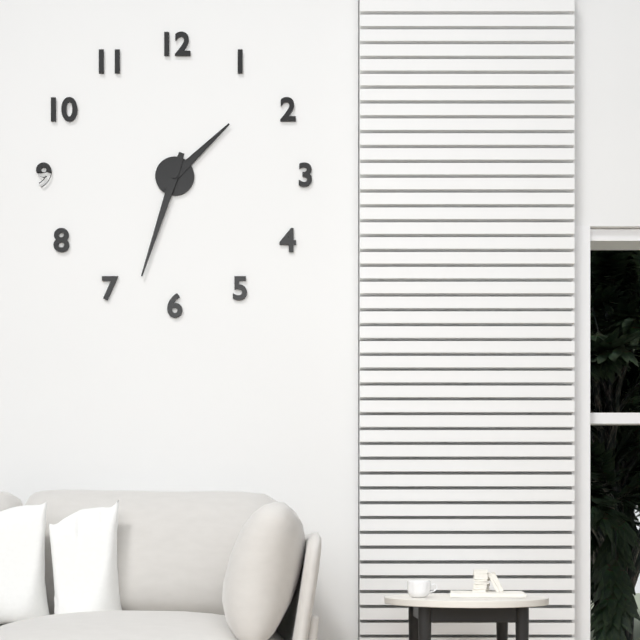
1:33
